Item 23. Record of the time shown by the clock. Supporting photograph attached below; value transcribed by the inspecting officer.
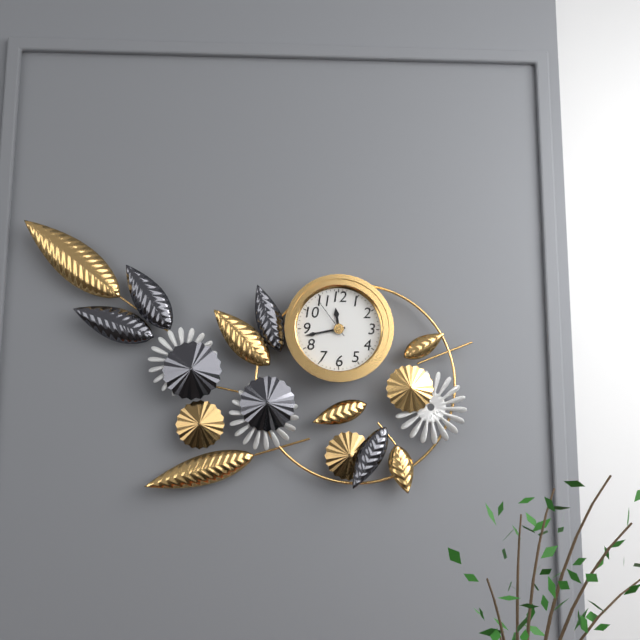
11:43
